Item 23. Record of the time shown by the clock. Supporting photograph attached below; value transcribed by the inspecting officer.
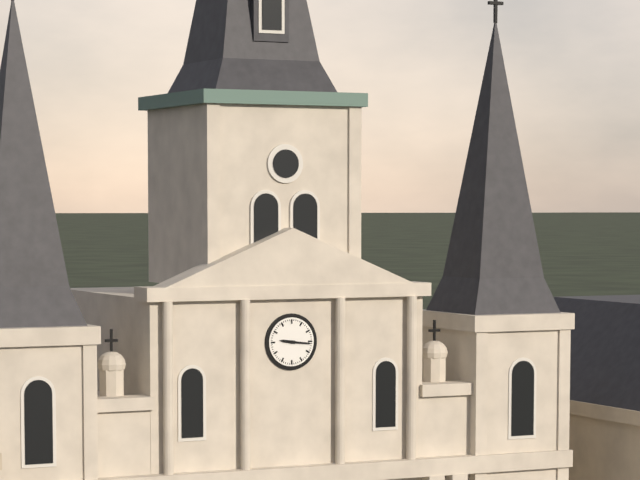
9:16
